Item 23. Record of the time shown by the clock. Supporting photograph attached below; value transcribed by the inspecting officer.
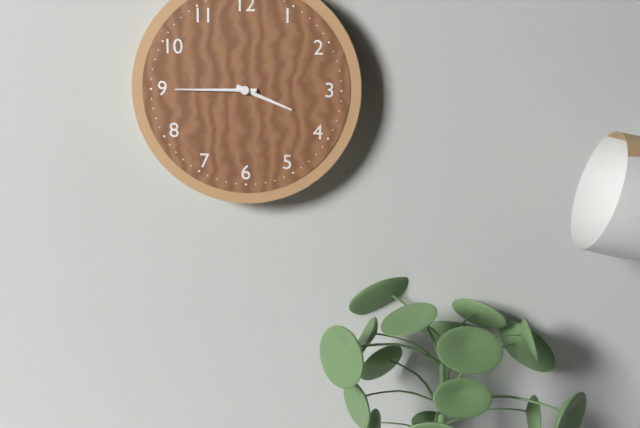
3:45
